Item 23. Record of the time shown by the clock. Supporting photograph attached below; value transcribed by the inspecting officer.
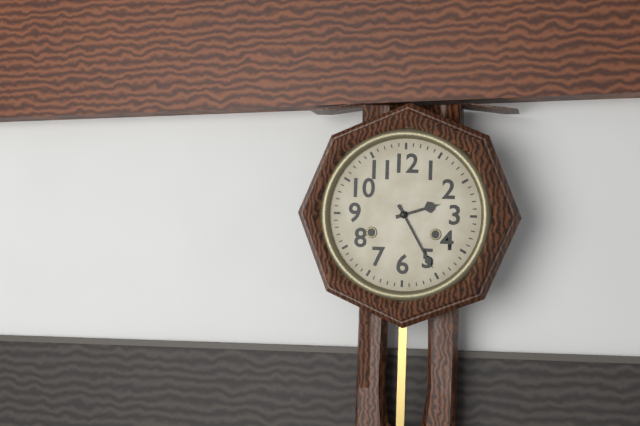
2:25
